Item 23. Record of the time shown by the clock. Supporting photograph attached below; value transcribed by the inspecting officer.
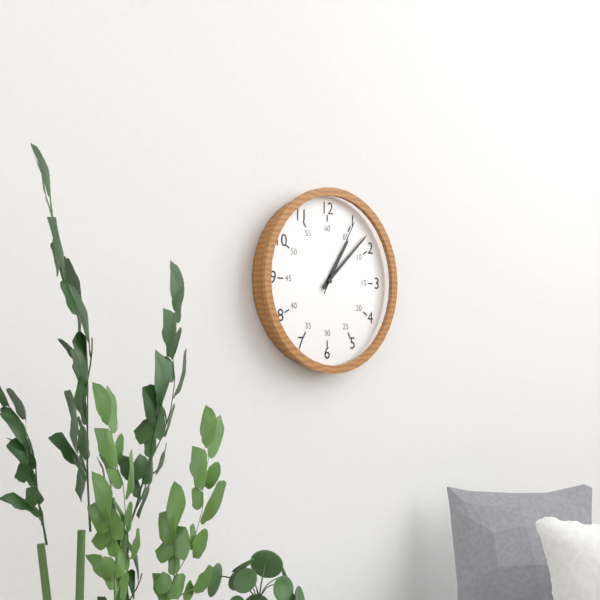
1:08:05
